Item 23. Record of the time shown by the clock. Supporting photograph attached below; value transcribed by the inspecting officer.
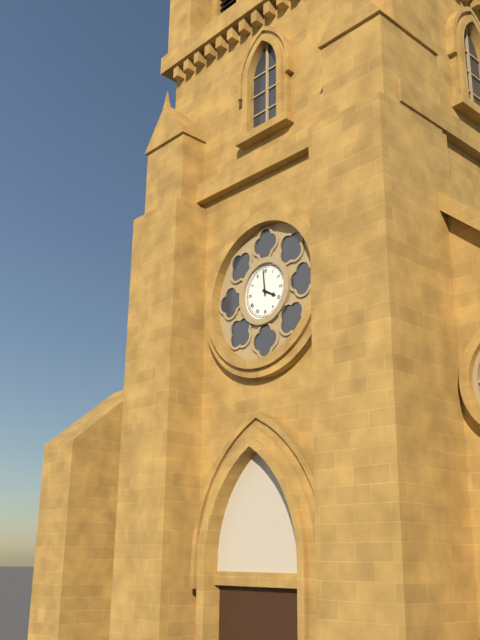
3:59
